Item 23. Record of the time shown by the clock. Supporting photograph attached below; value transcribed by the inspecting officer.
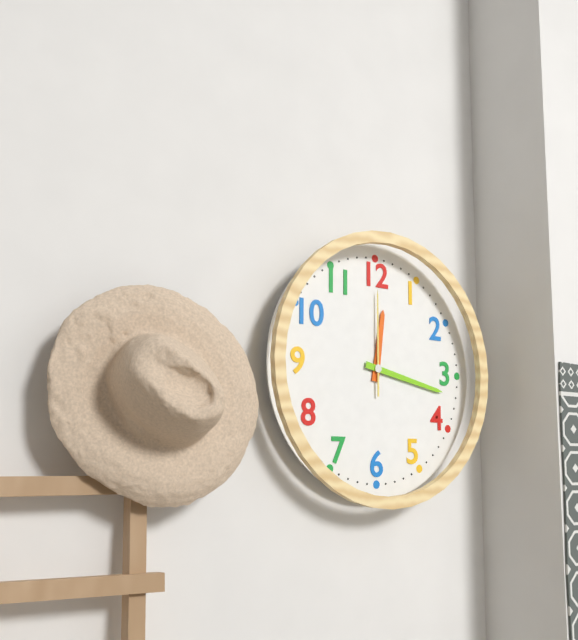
12:17:00
